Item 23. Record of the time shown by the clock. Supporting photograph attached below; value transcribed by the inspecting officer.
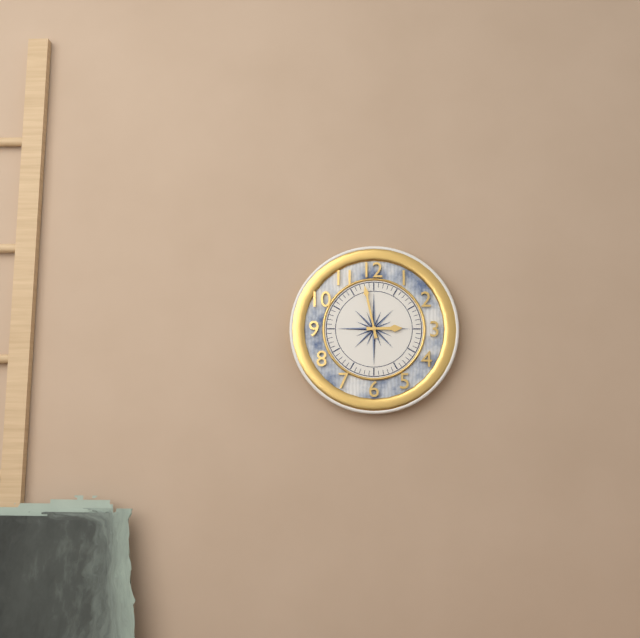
2:58
